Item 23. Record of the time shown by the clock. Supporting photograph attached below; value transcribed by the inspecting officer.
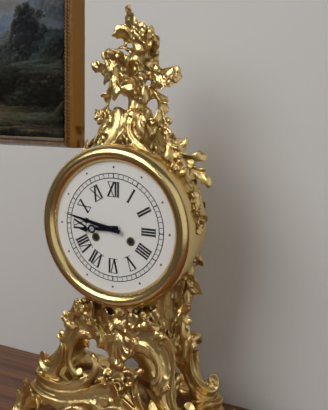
8:47
